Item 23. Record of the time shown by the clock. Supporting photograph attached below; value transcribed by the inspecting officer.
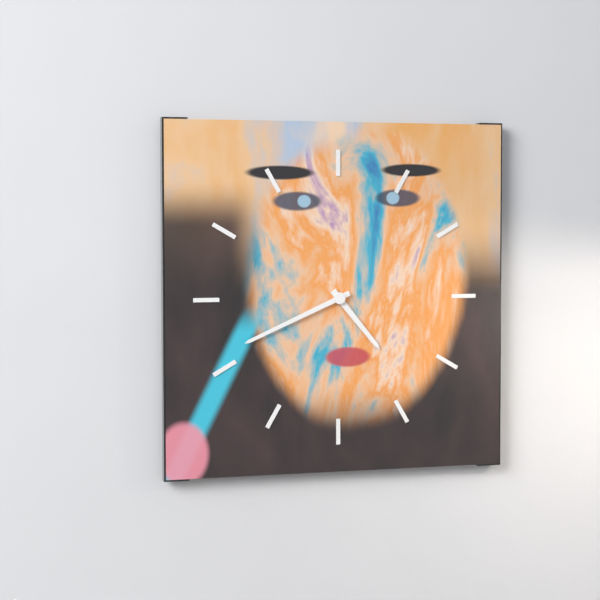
4:41
